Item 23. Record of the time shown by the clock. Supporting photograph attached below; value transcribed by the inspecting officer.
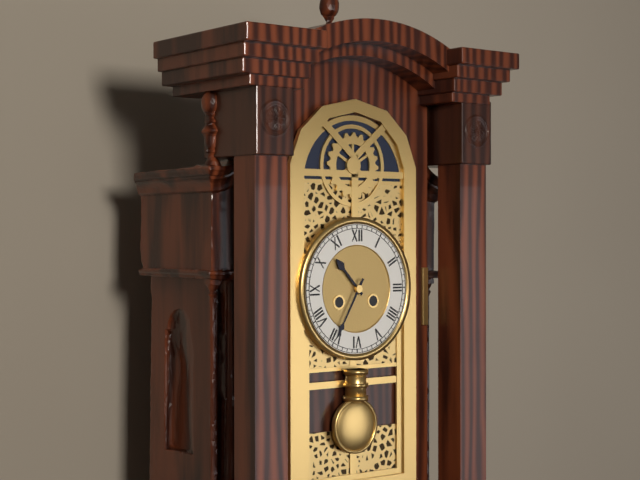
10:35
